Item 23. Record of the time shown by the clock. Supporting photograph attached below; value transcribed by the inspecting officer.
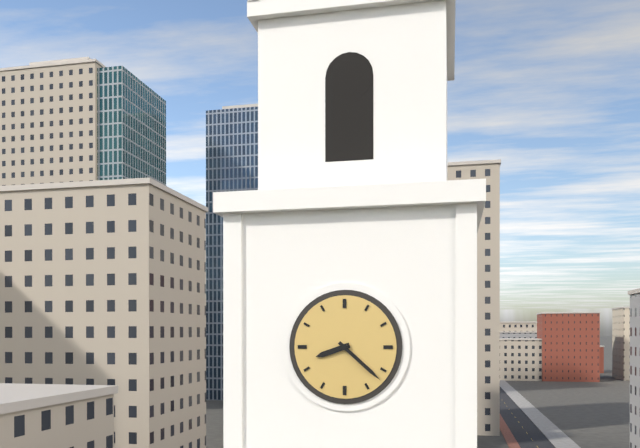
8:22
